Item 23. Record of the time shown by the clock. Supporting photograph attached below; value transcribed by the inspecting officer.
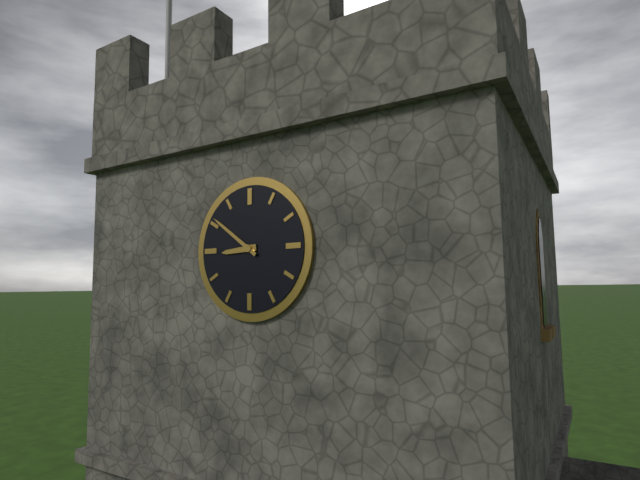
8:51
